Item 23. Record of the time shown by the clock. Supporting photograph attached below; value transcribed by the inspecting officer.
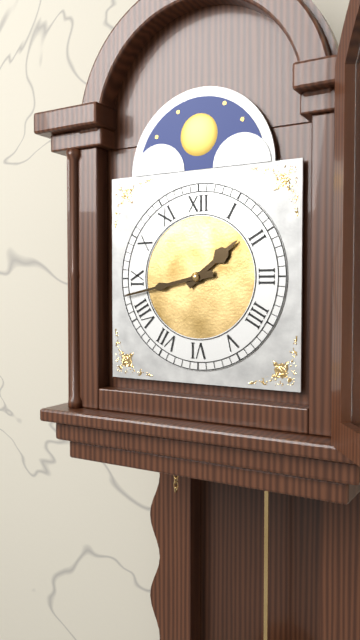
1:43
